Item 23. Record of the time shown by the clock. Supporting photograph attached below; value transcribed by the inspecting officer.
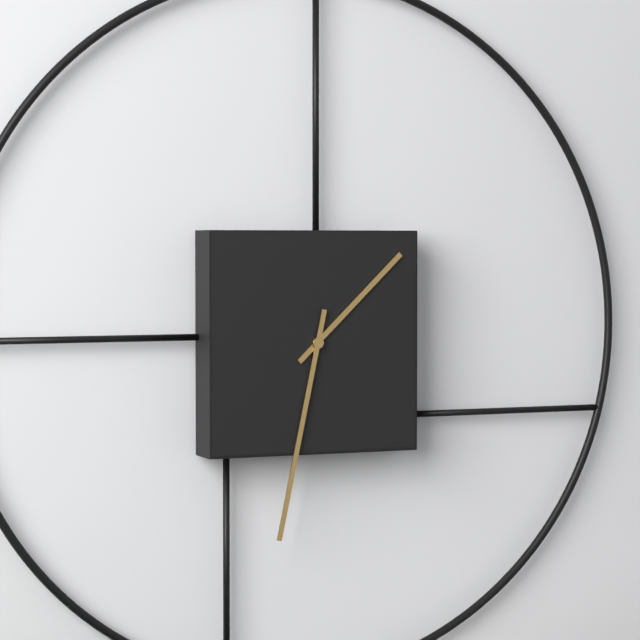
1:32
